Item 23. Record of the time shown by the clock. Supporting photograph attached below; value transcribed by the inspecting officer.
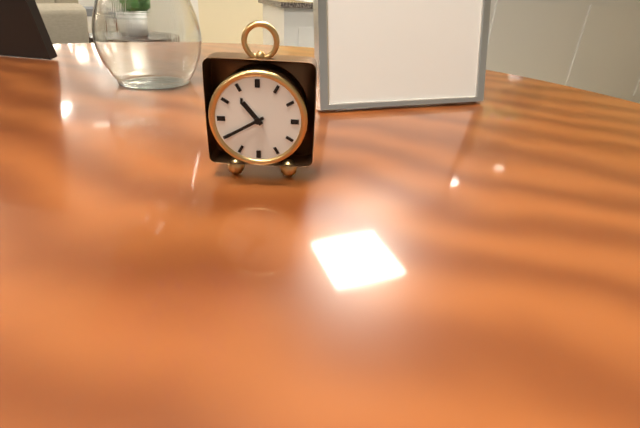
10:40
